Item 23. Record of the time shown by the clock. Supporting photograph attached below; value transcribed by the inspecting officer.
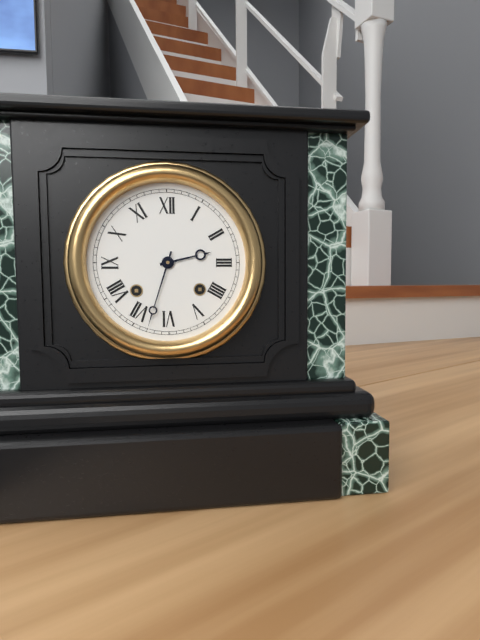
2:33
